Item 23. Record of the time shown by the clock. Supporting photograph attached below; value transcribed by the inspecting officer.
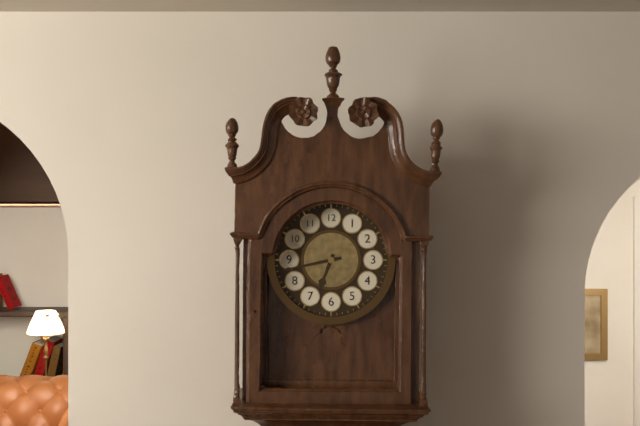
6:43
